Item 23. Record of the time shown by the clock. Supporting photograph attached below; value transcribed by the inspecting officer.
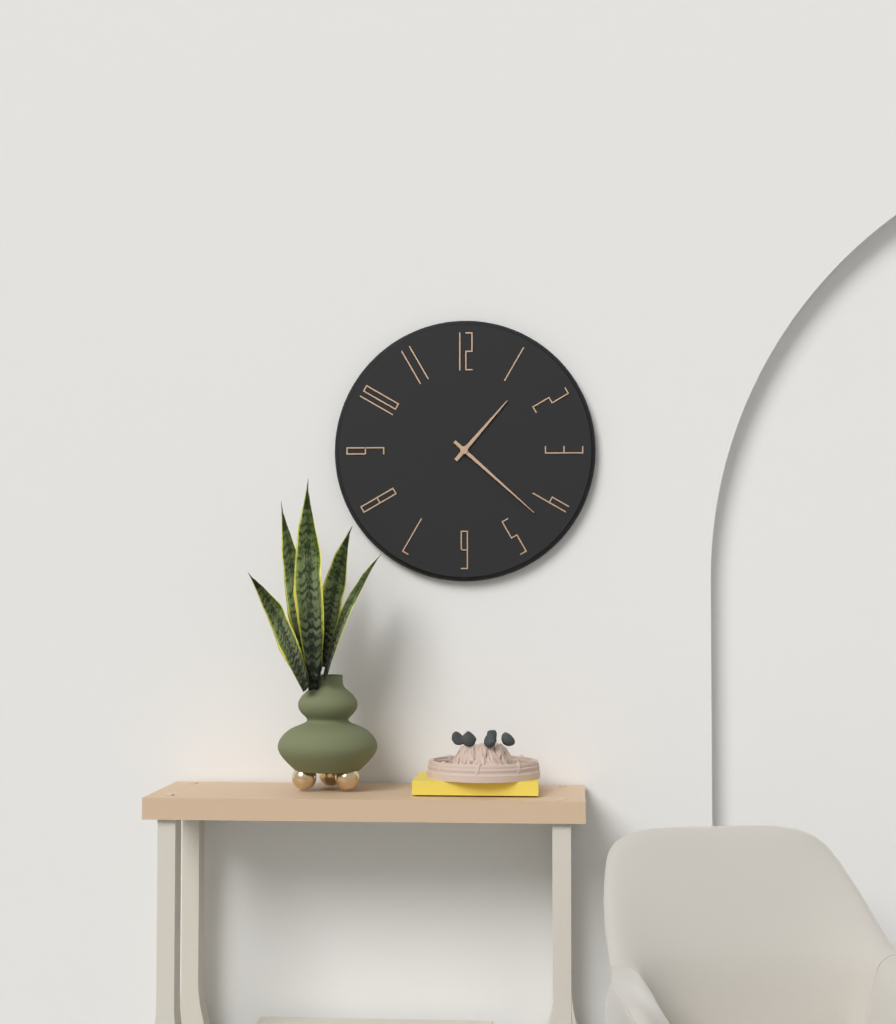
1:22
